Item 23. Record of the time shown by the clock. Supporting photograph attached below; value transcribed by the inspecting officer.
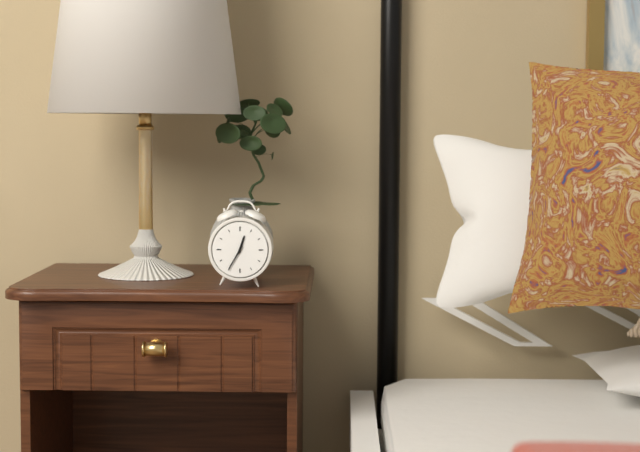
12:35
